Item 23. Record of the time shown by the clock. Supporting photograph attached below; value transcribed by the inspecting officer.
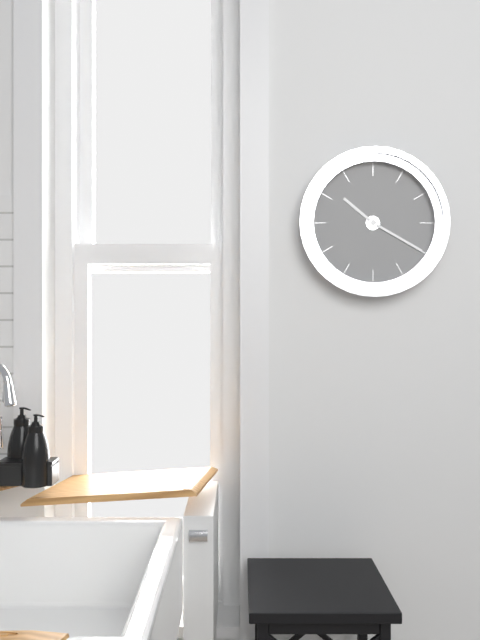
10:20
